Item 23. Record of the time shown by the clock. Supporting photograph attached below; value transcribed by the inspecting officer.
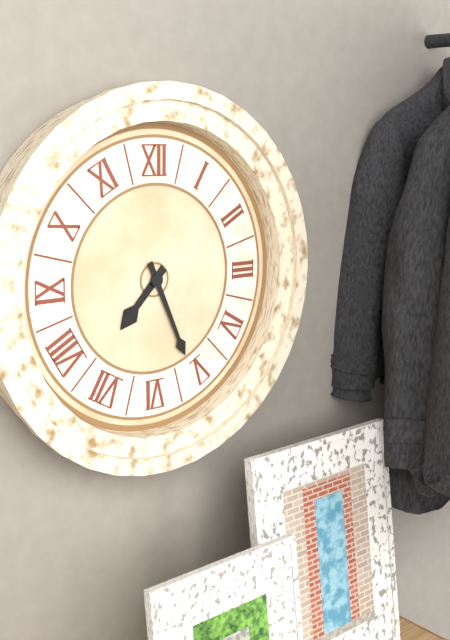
7:26
